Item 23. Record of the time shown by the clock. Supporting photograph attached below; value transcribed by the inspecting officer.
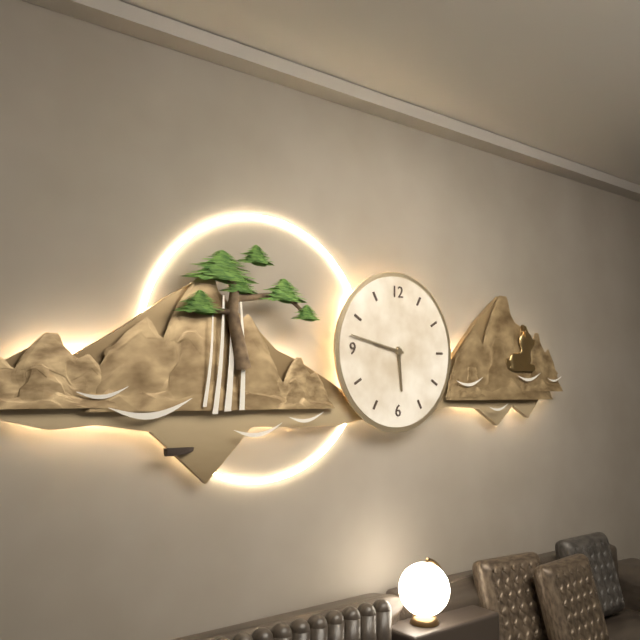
5:47
